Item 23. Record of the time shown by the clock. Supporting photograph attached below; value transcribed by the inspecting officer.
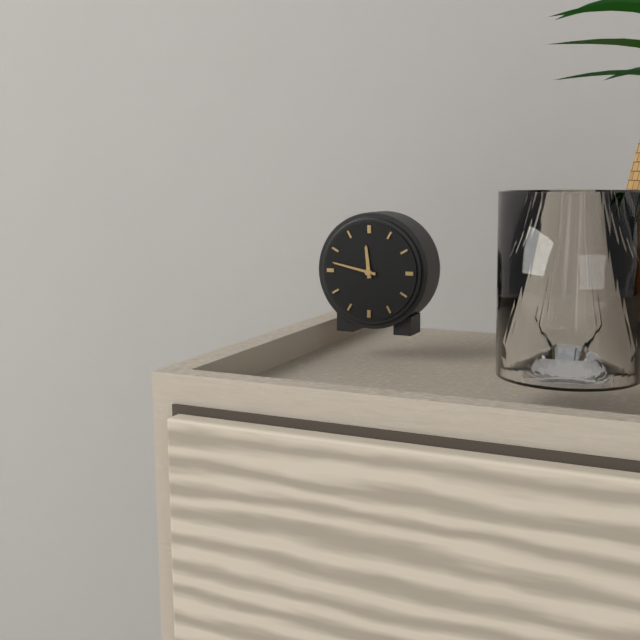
11:47
